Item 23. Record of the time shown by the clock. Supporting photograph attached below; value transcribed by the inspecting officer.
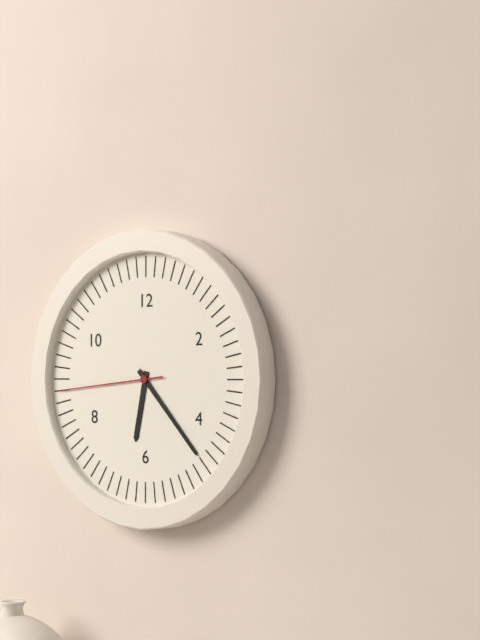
6:23:44
